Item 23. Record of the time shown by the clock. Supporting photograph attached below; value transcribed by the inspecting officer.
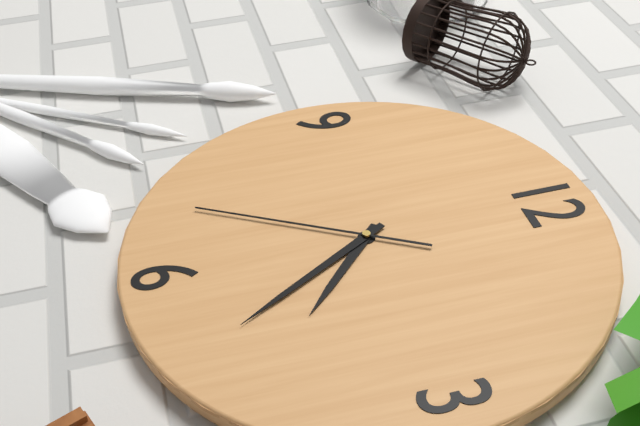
4:25:35
